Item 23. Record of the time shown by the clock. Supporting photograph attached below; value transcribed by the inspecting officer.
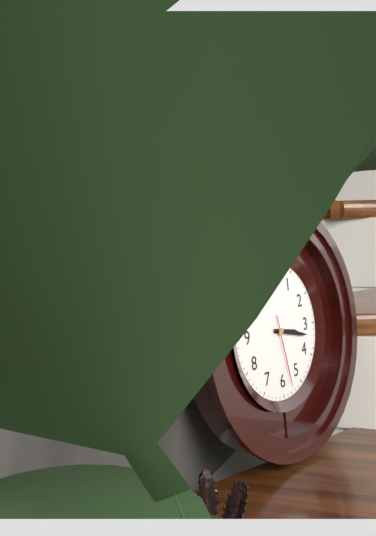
3:17:28
